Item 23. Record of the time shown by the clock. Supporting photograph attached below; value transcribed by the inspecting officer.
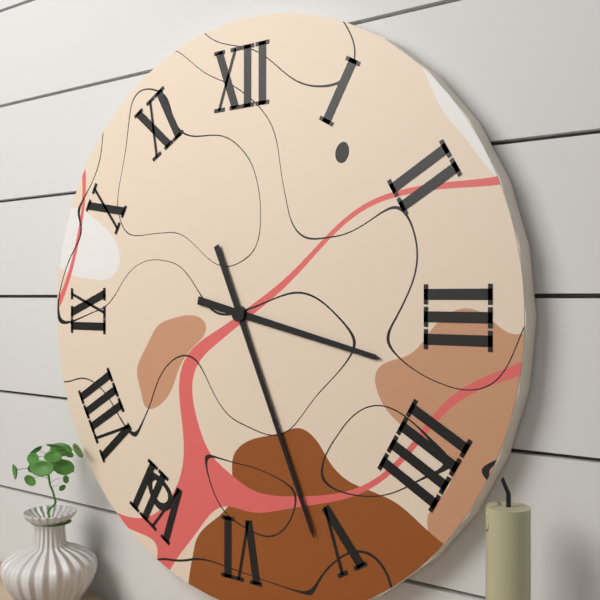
3:26
